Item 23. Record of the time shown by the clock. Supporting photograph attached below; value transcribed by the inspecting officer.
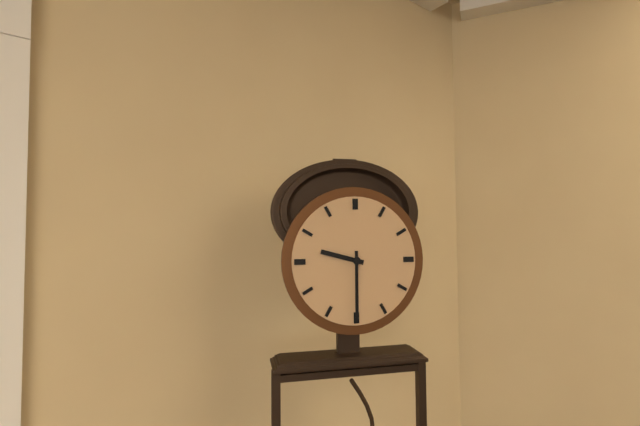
9:30
